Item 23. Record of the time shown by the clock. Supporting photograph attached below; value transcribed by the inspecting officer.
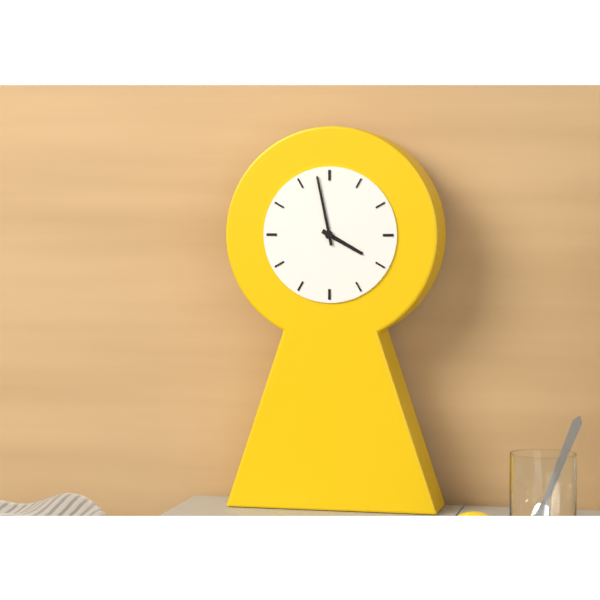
3:58
